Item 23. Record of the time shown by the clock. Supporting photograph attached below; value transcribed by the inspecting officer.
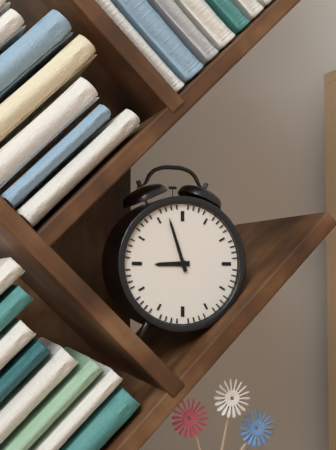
8:57
